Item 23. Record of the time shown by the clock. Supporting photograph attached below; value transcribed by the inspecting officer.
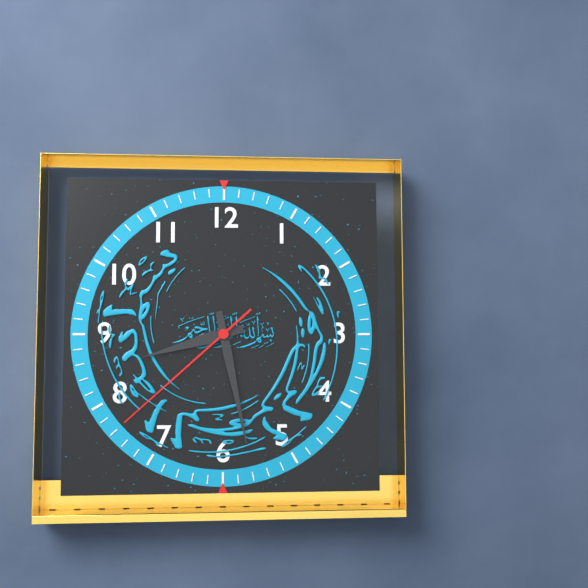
8:28:38
